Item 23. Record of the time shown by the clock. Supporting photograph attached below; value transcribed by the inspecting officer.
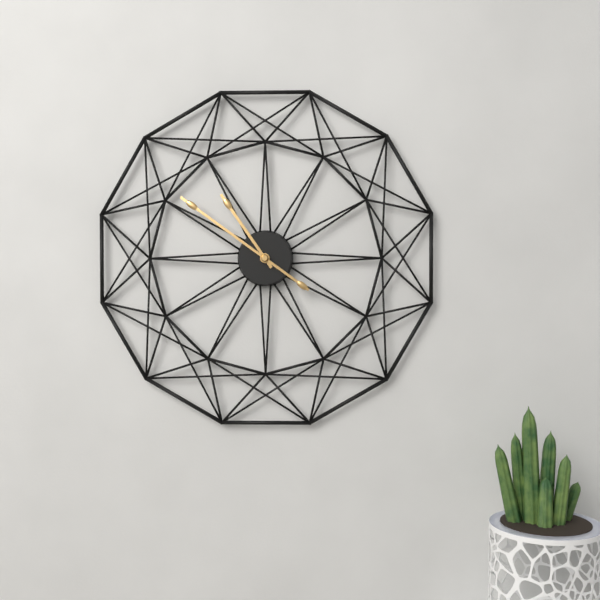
10:51
